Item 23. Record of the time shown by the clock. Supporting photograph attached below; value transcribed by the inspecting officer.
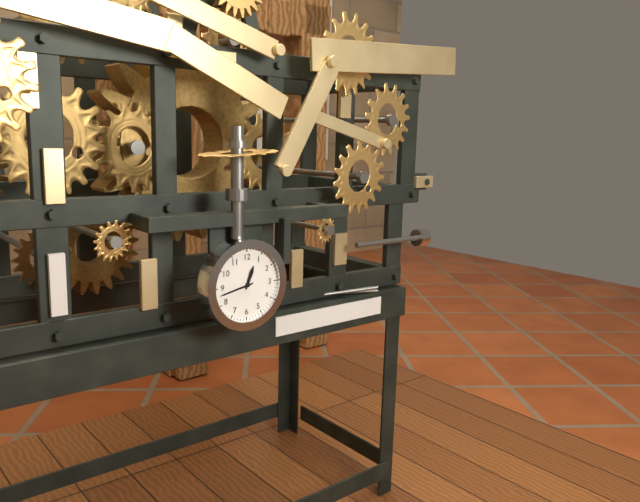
12:43
